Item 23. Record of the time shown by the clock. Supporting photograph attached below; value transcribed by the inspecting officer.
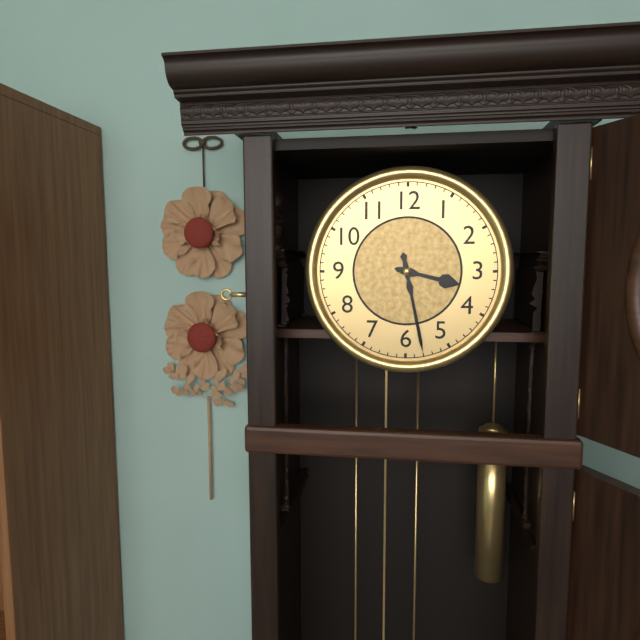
3:28
